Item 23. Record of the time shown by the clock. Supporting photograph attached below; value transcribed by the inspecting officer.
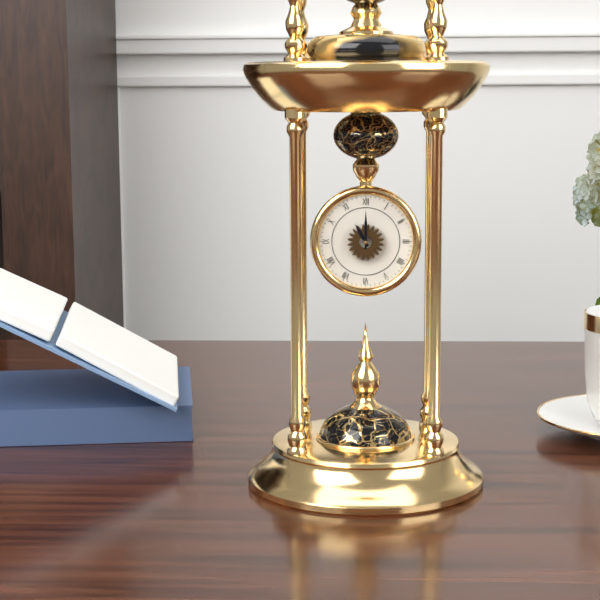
11:00
